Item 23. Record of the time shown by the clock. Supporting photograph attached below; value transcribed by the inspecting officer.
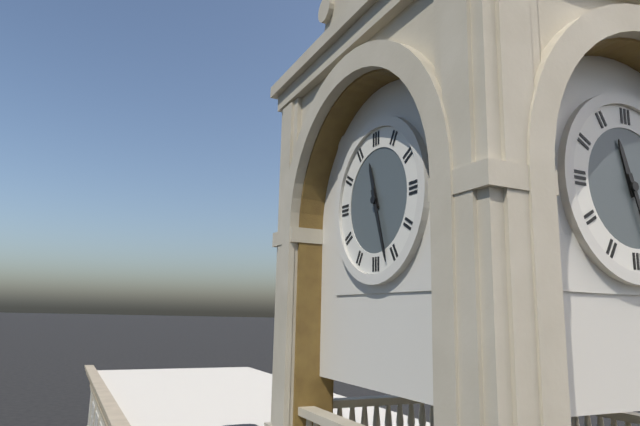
11:27
